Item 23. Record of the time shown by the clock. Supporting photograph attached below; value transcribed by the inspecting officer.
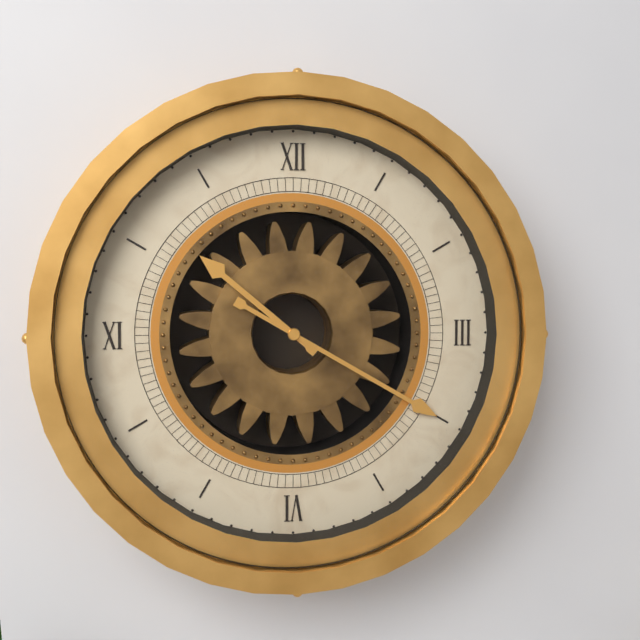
10:20
